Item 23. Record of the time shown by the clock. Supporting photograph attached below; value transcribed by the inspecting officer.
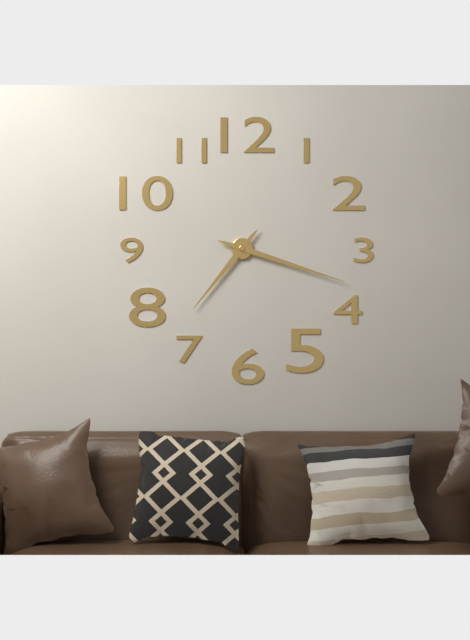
7:18
